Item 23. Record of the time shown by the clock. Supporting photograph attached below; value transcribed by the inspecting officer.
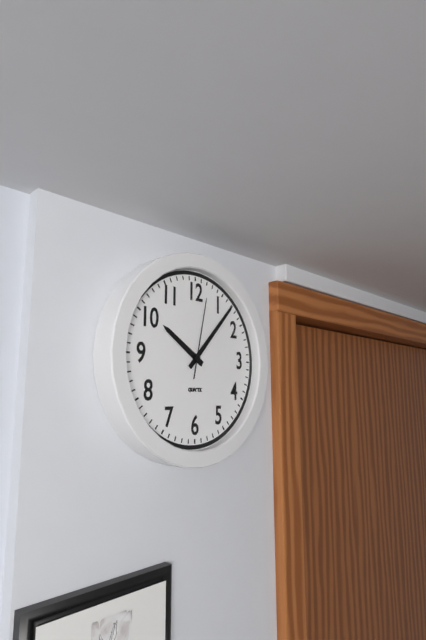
10:07:02
